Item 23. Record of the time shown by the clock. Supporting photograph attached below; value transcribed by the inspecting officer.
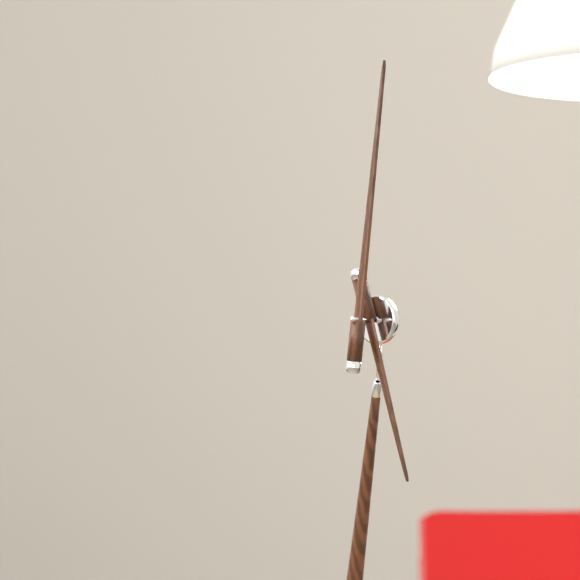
4:59
